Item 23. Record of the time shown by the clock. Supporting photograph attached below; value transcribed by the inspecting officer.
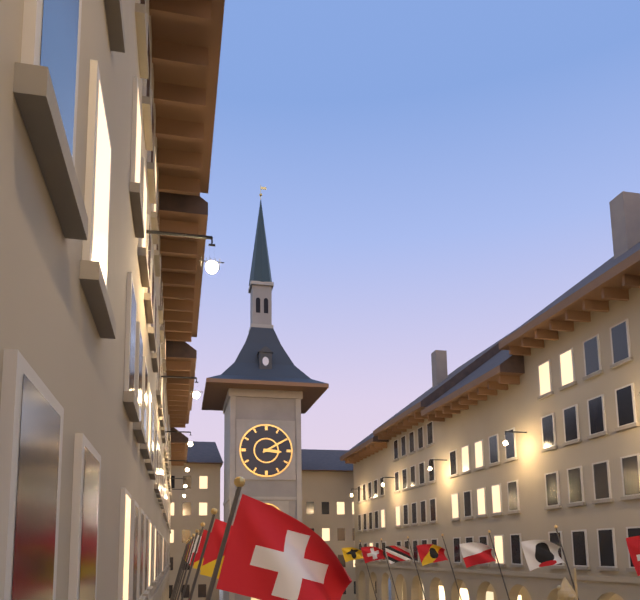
3:10
